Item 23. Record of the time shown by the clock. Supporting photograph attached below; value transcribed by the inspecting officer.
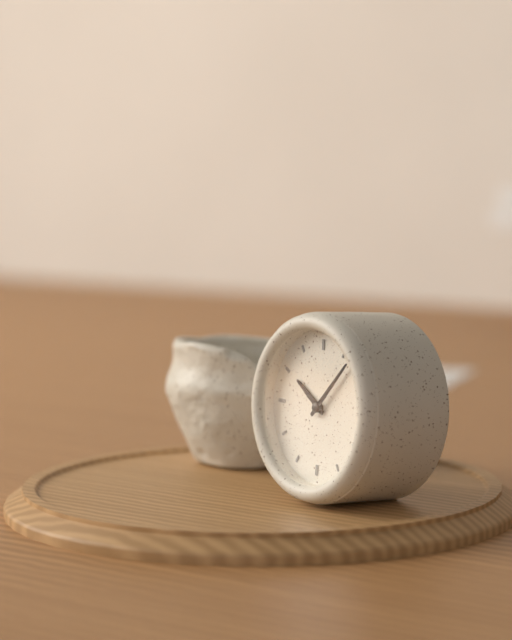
10:07
